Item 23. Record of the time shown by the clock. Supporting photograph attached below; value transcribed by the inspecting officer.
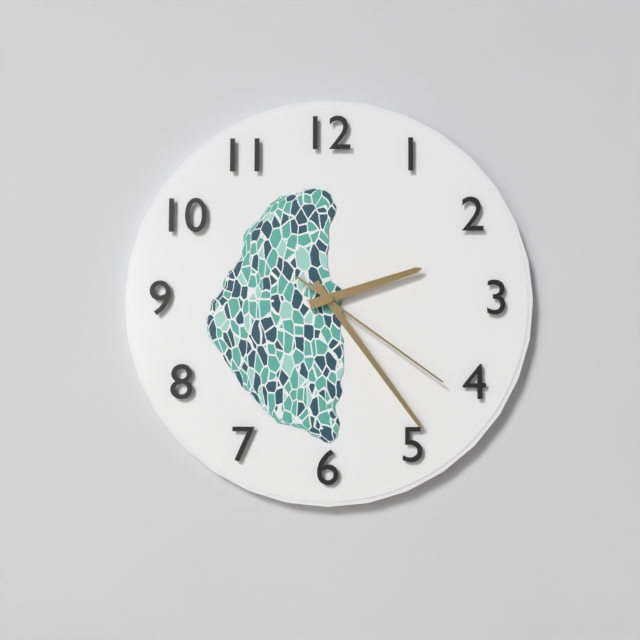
2:24:21
